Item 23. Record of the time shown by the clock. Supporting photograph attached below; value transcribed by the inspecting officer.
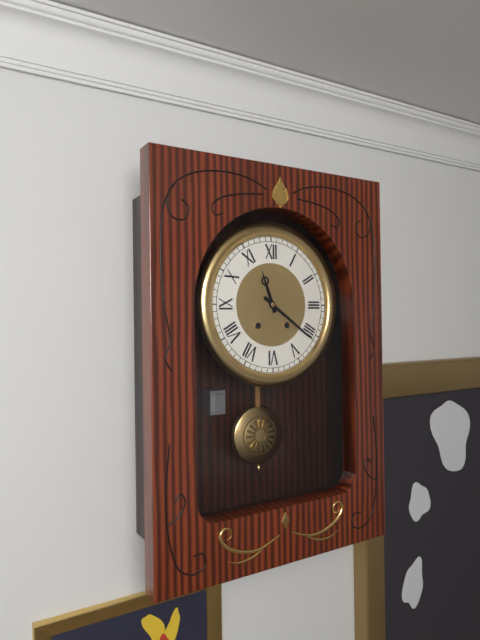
11:21
